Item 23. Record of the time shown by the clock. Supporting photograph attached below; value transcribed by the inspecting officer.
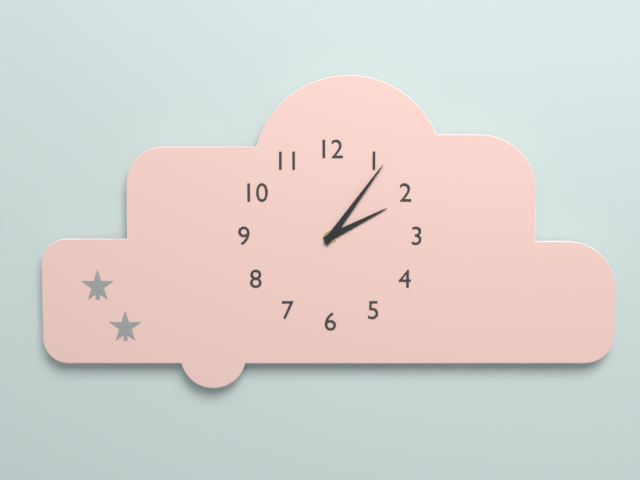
2:06
